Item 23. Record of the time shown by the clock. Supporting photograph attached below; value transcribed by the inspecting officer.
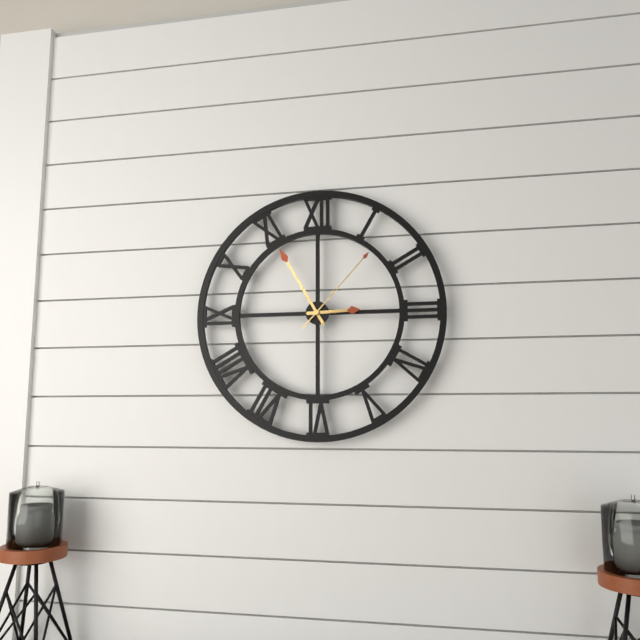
2:55:07
